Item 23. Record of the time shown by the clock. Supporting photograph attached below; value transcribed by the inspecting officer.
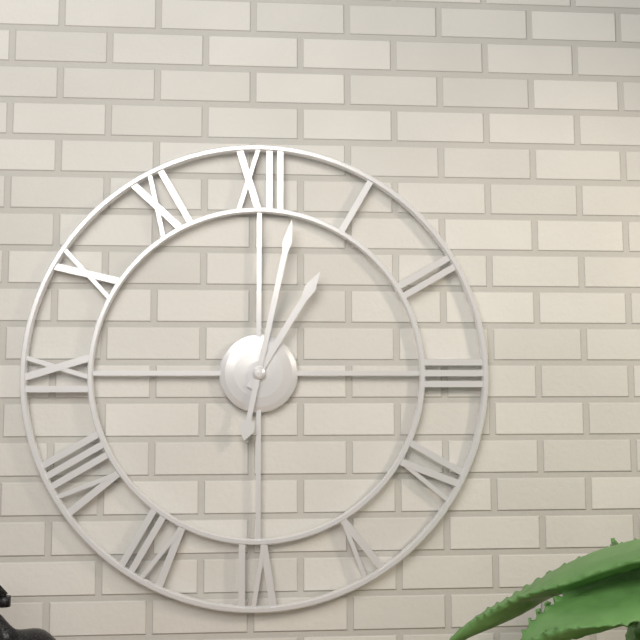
1:02
